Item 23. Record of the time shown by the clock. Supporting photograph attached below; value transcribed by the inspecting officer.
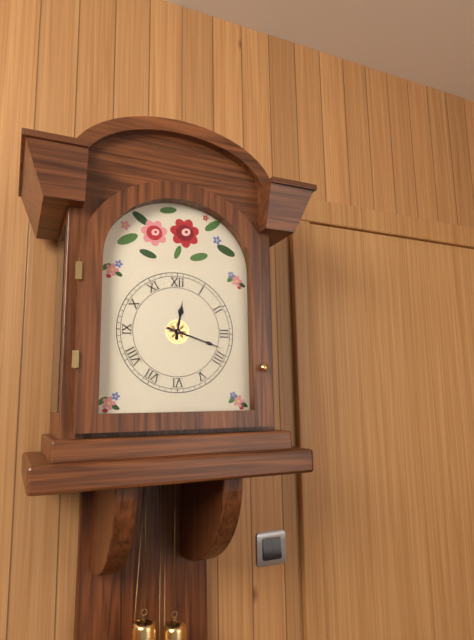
12:18
